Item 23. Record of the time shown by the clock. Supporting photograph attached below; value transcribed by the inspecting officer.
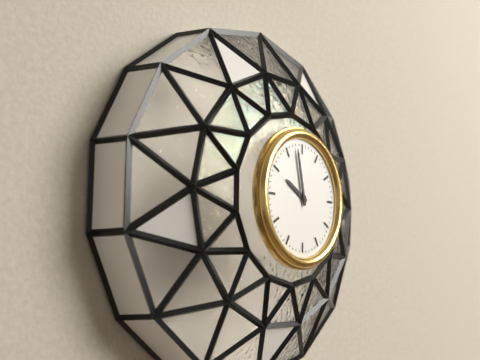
9:58
